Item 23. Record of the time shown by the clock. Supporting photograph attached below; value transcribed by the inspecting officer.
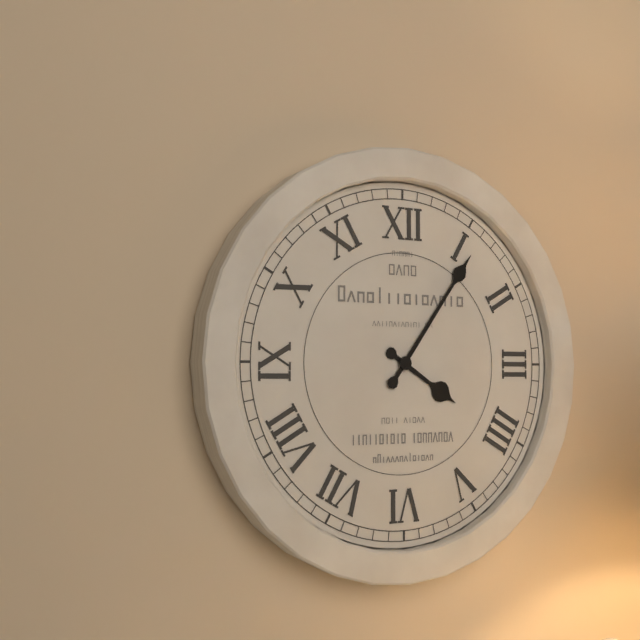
4:06
